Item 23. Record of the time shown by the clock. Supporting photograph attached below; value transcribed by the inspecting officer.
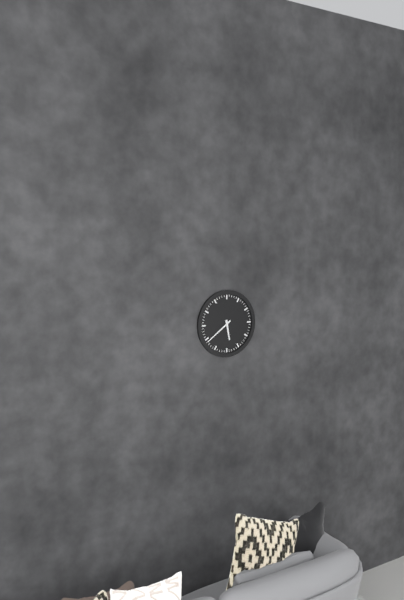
5:39
